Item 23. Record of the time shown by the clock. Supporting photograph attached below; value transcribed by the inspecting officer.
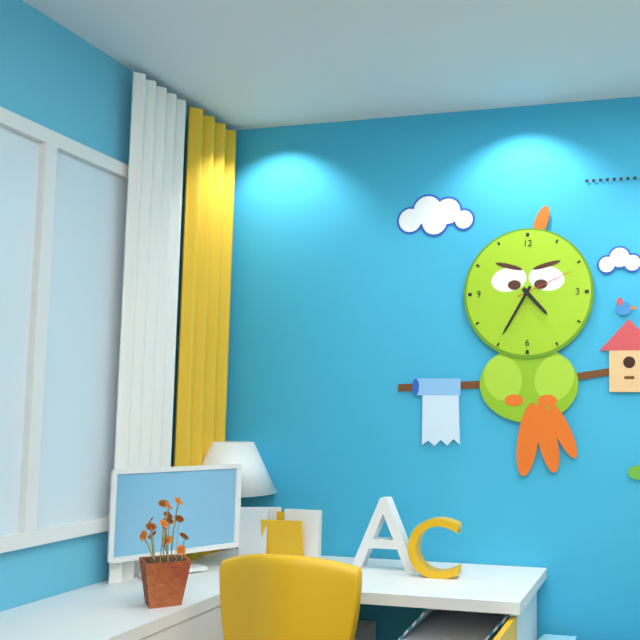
4:35:11
